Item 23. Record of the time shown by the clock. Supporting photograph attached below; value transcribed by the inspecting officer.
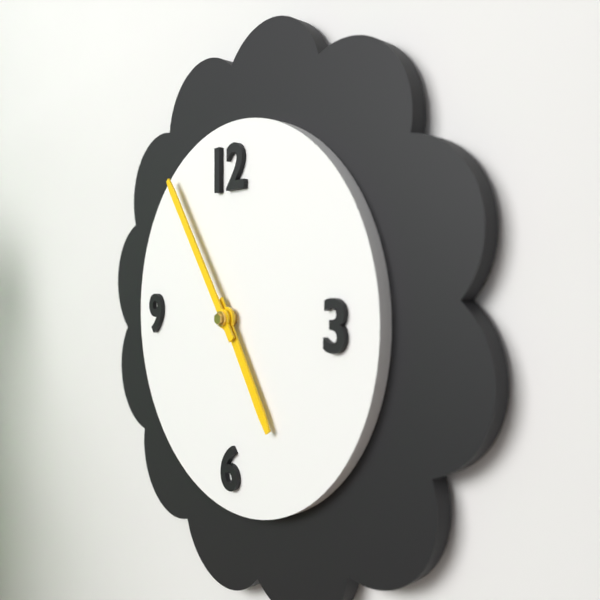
4:54
